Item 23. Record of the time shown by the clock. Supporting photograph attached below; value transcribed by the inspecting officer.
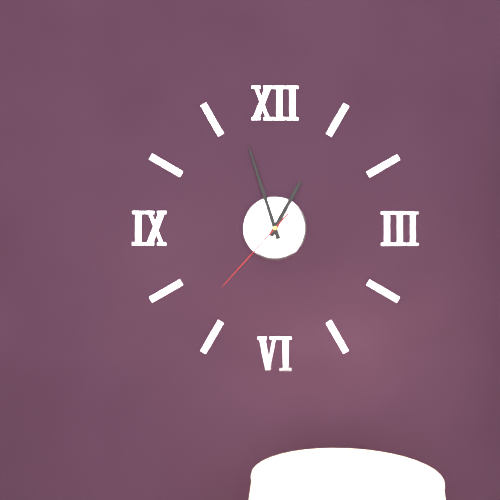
12:57:37
